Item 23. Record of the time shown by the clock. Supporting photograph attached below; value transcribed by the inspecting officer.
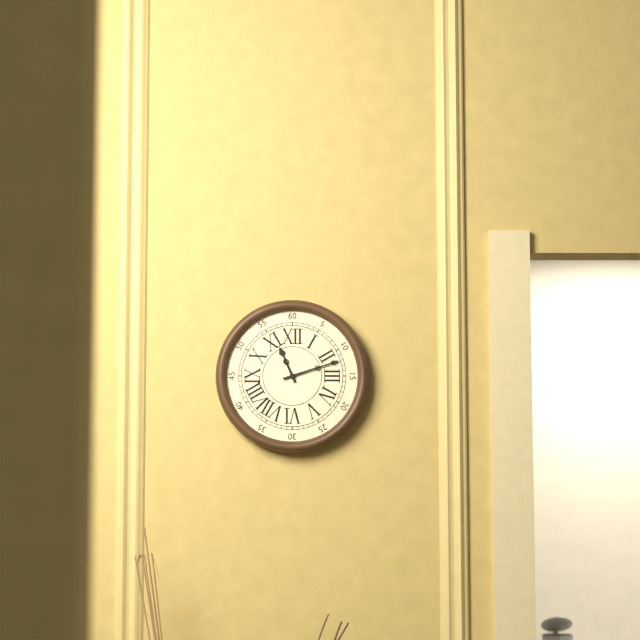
11:12
